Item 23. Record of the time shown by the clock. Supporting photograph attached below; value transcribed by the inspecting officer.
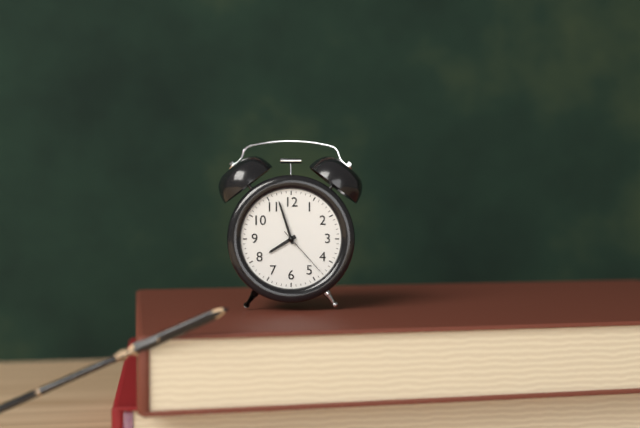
7:57:23
